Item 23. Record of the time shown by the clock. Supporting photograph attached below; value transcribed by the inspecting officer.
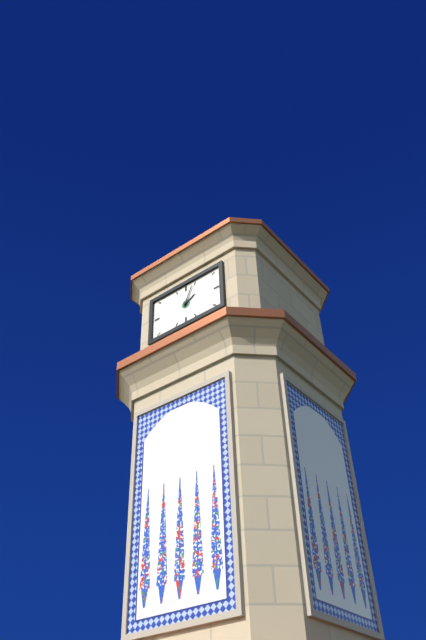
2:04
